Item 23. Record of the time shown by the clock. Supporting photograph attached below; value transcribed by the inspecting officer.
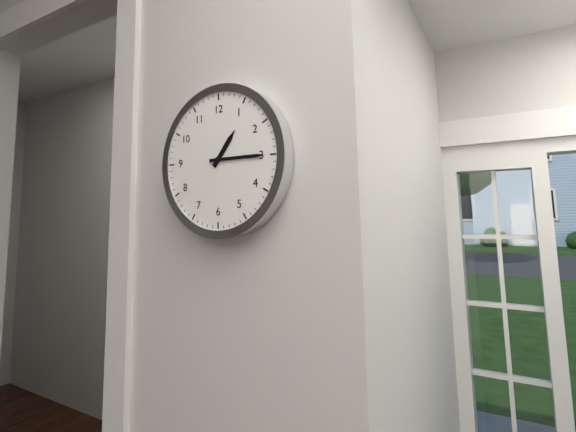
1:15
